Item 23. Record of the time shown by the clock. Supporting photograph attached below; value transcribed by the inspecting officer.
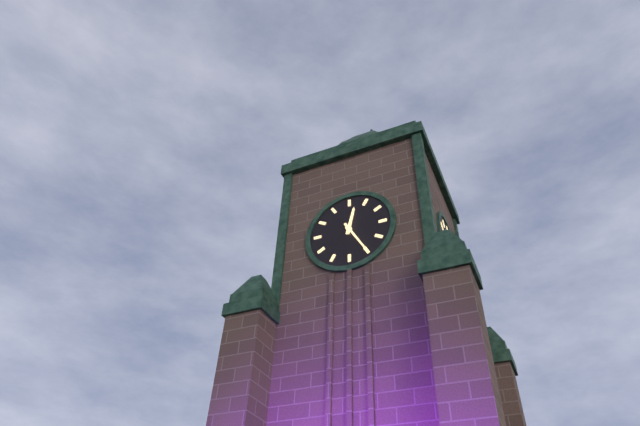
12:25
